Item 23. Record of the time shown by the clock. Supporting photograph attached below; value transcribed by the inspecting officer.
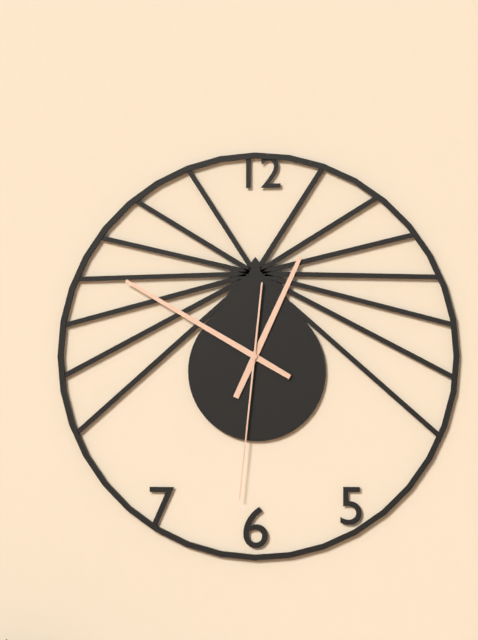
12:50:31
